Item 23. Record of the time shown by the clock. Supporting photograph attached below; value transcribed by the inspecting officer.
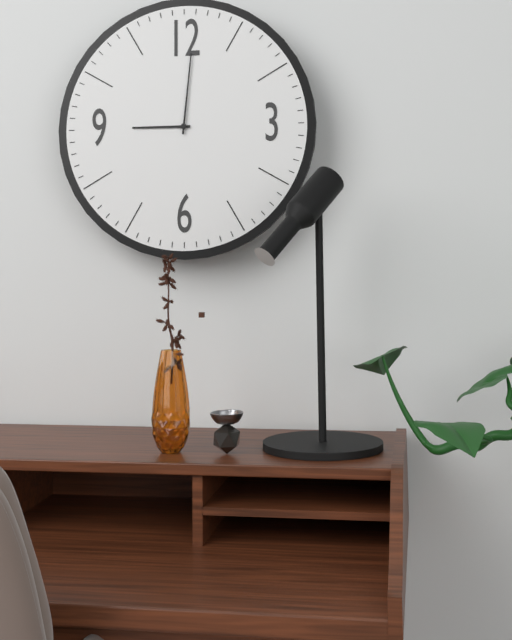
9:01
